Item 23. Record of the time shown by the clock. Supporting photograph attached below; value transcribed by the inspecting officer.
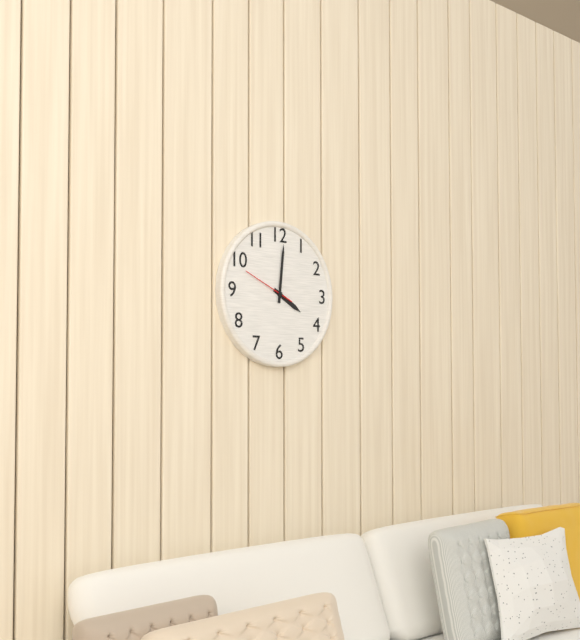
4:01:49
